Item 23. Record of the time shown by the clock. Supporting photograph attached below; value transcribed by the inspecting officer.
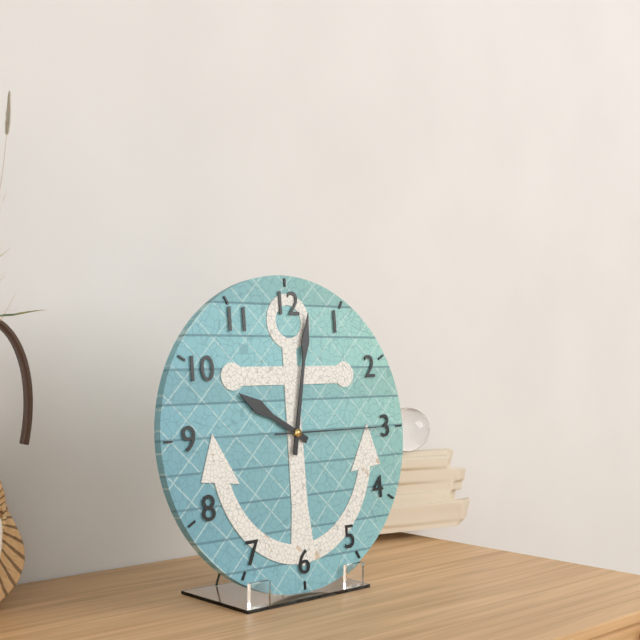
10:02:15
